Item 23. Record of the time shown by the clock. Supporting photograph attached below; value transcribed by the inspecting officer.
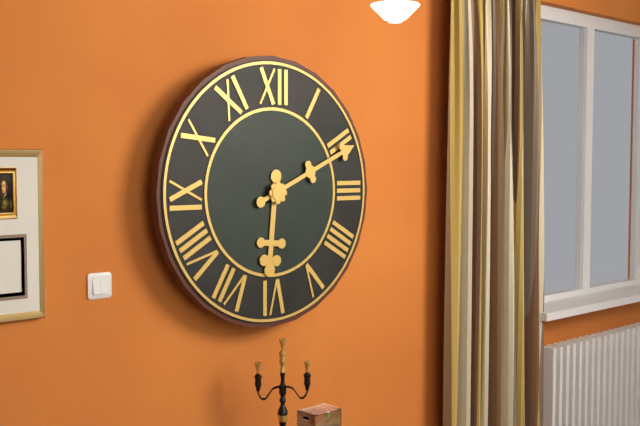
6:11
